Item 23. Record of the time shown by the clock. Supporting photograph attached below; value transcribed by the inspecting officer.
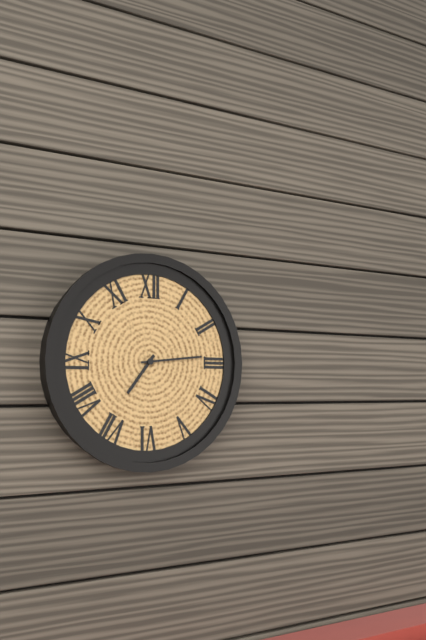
7:14
